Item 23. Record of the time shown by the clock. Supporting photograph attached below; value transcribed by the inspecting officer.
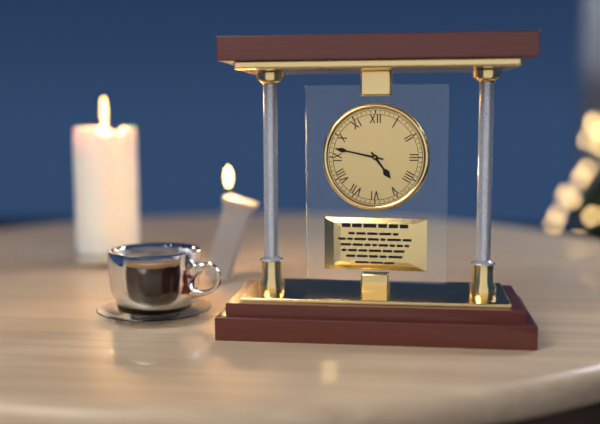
4:47
